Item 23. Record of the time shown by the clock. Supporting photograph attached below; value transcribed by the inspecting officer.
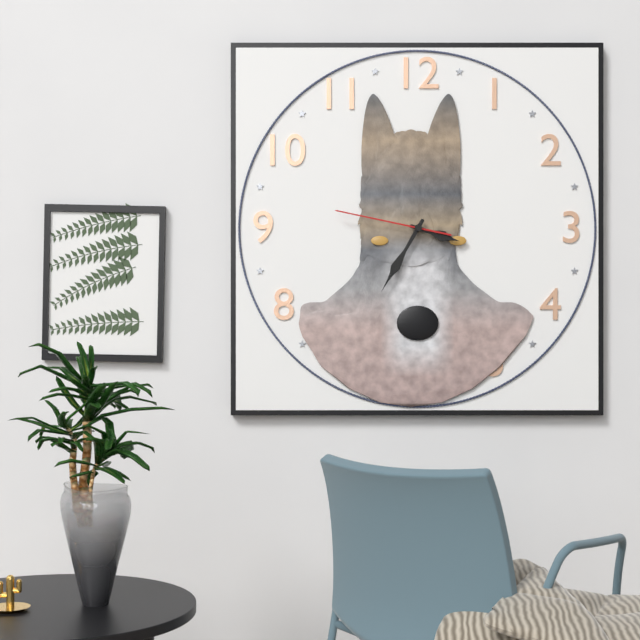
3:35:47
